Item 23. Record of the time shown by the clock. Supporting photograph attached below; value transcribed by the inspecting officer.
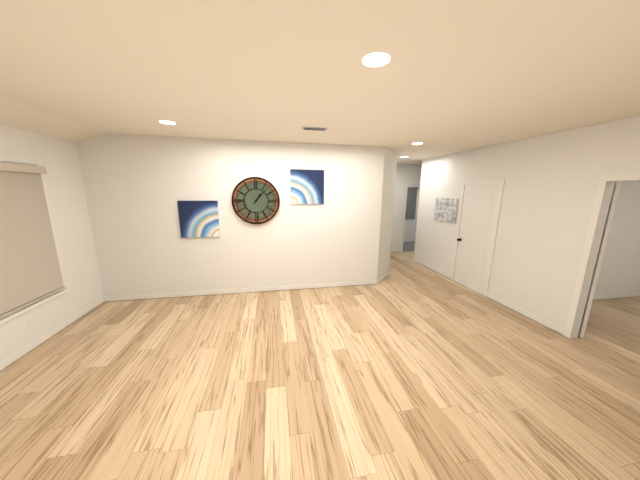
1:07
